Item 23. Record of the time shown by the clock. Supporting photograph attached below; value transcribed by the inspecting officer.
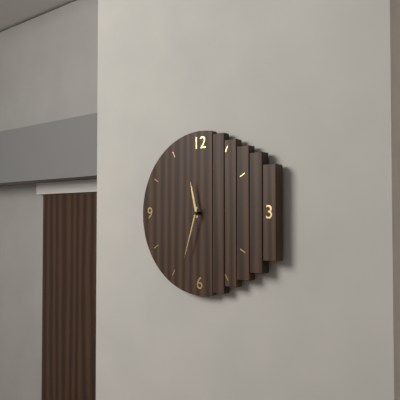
11:33
